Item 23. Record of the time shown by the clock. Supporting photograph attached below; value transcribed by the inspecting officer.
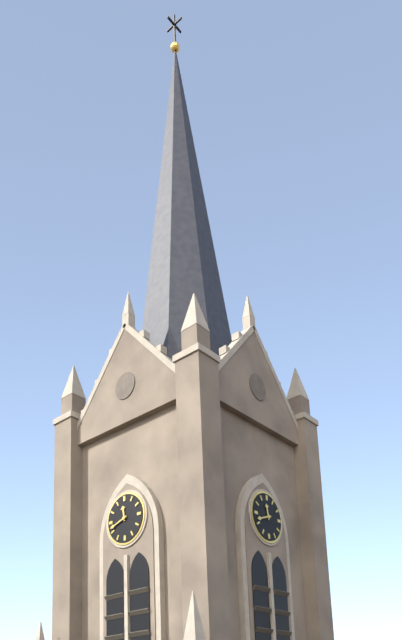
11:42
